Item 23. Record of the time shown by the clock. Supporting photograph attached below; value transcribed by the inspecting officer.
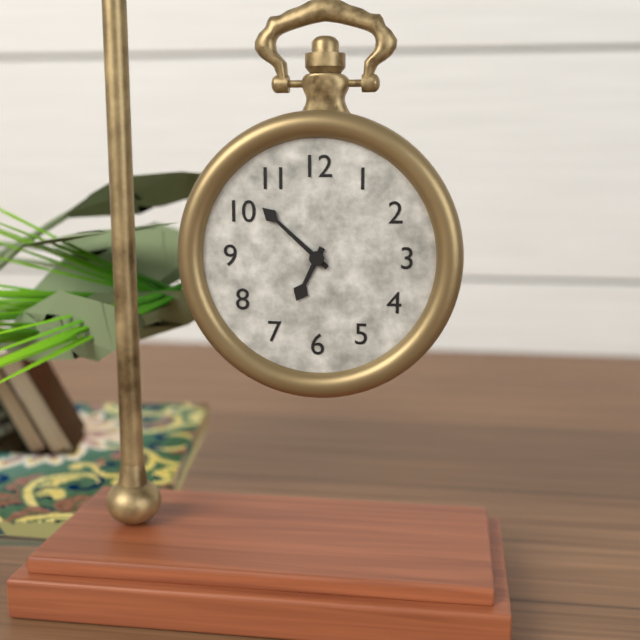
6:52
